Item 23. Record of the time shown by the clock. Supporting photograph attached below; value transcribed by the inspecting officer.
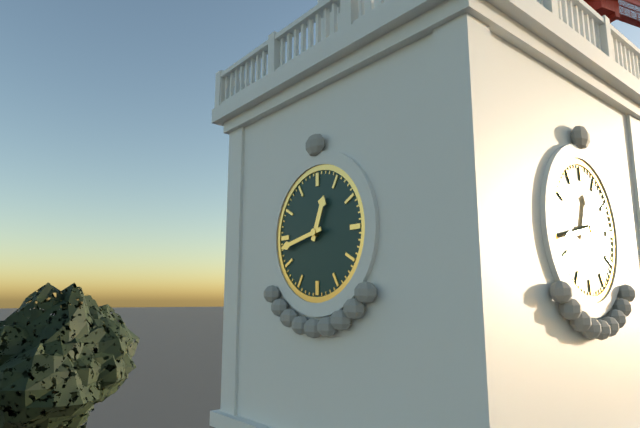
12:43
